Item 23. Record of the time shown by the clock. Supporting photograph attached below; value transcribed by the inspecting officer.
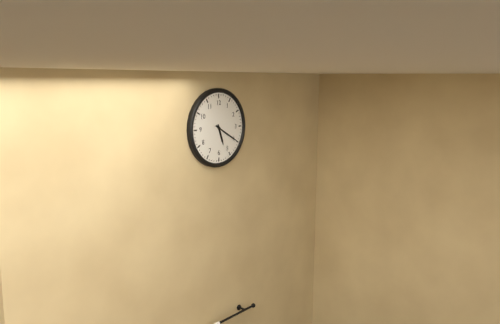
5:20
